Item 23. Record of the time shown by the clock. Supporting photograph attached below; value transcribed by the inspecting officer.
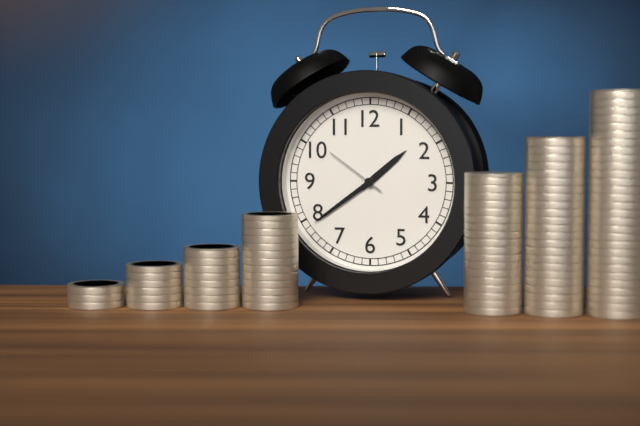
1:39:51
